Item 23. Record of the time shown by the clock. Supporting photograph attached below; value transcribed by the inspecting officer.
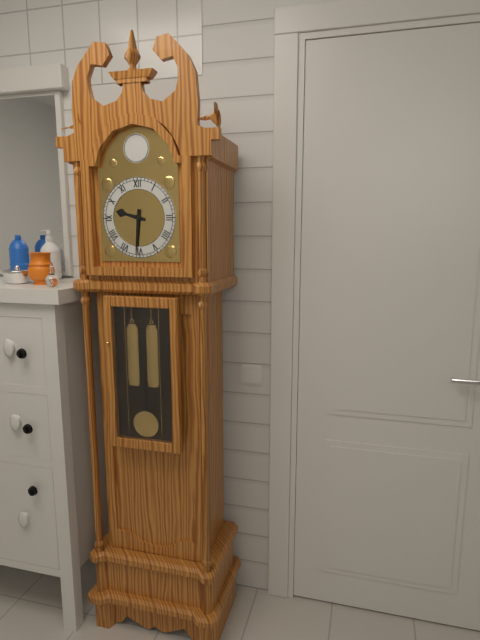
9:31
